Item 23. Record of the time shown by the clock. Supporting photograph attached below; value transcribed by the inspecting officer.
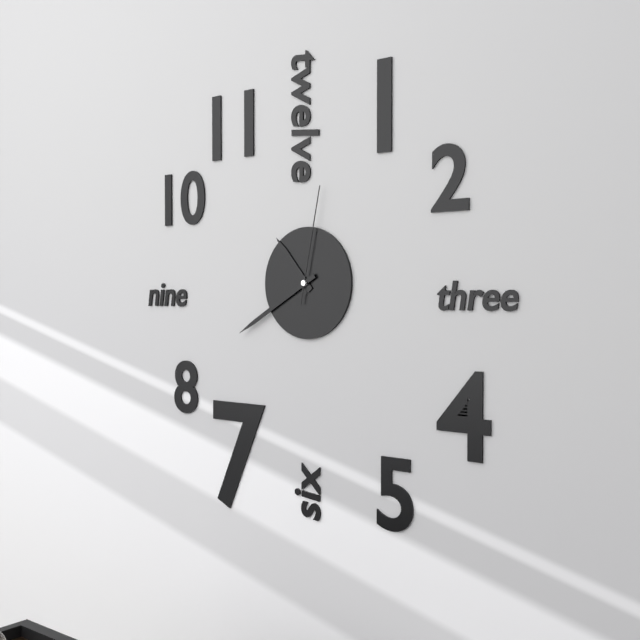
10:40:02
